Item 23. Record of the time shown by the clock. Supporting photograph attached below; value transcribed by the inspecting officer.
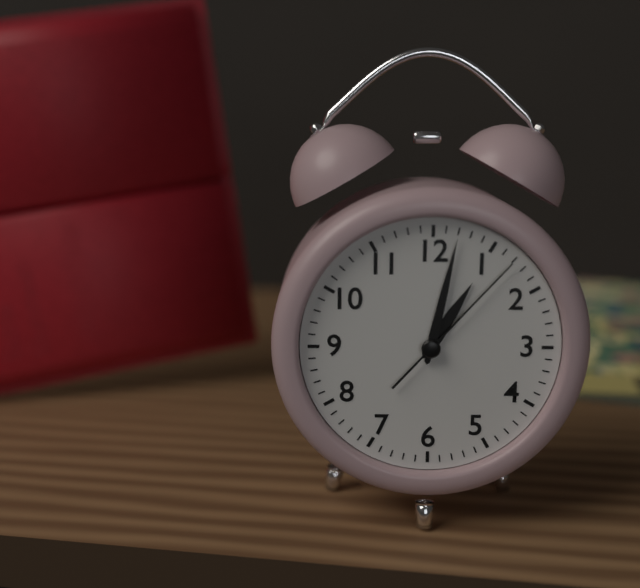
1:02:07
